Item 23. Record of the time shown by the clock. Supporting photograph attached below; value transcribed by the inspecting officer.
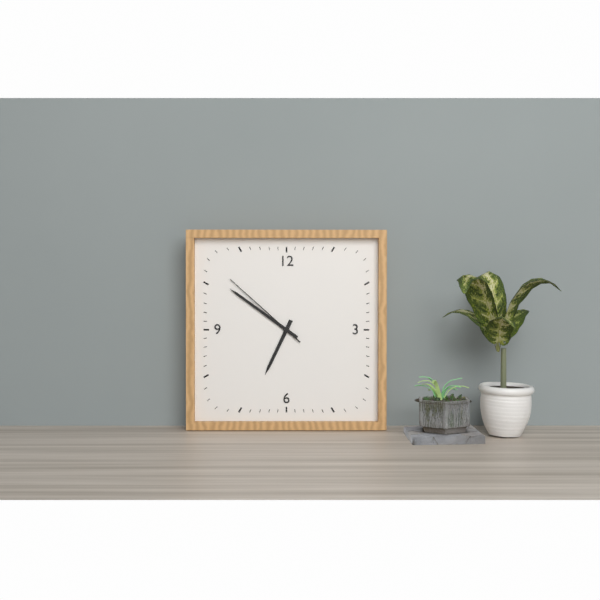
6:51:52
